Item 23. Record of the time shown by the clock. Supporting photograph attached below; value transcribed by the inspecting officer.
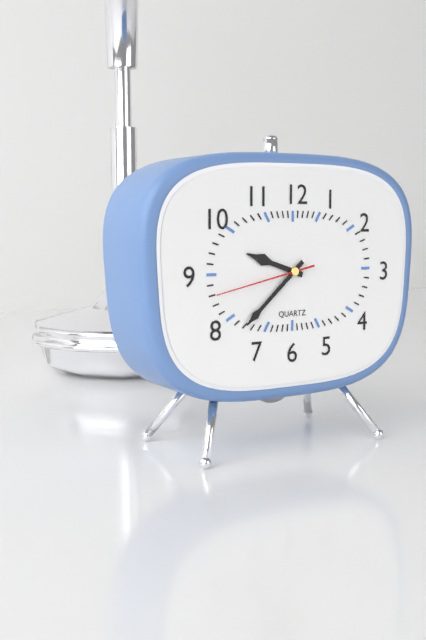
9:38:43
